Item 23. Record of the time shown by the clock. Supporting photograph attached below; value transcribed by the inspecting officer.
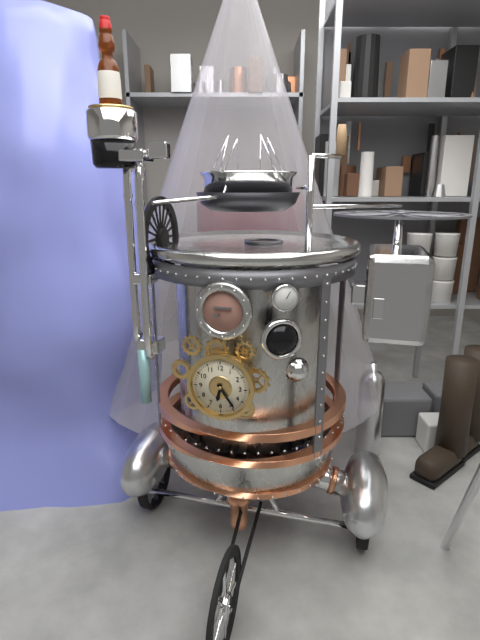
6:24
